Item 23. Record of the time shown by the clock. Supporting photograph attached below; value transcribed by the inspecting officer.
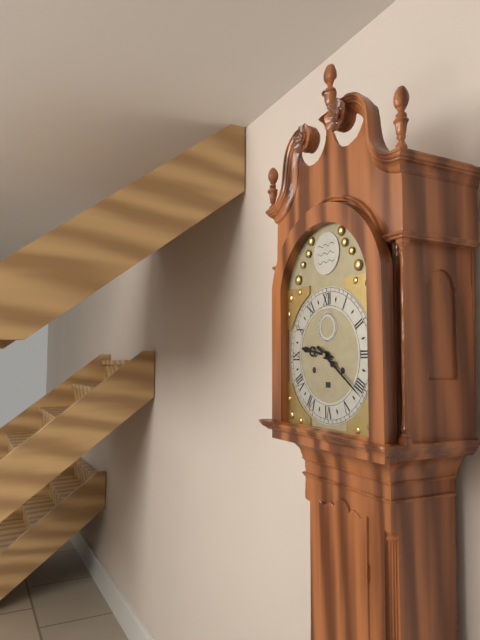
9:21
